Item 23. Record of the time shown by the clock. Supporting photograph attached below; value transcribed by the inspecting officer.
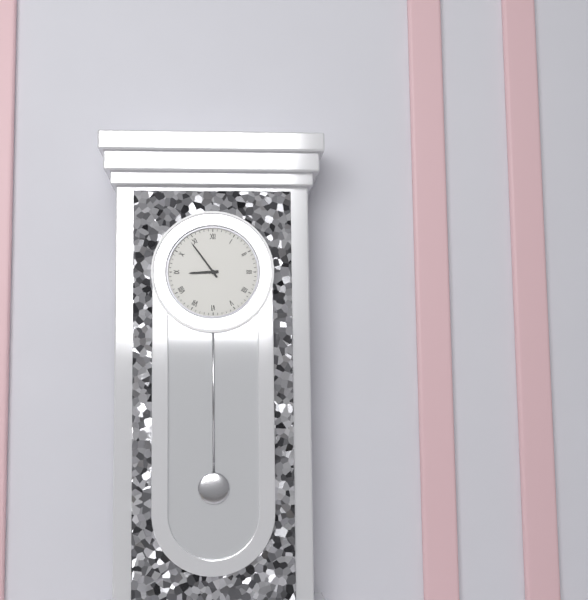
8:54
